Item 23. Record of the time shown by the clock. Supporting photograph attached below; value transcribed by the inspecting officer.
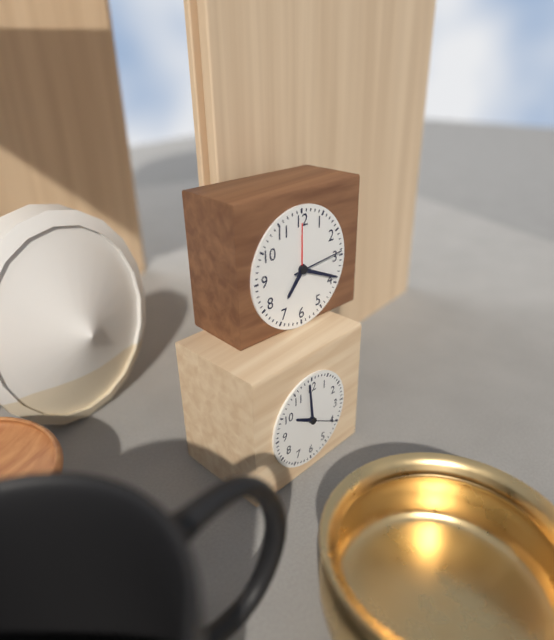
7:19:14
